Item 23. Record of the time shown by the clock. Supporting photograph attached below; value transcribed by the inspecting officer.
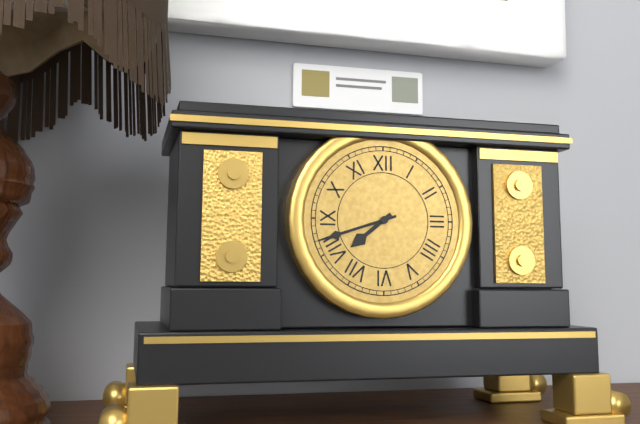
7:42
